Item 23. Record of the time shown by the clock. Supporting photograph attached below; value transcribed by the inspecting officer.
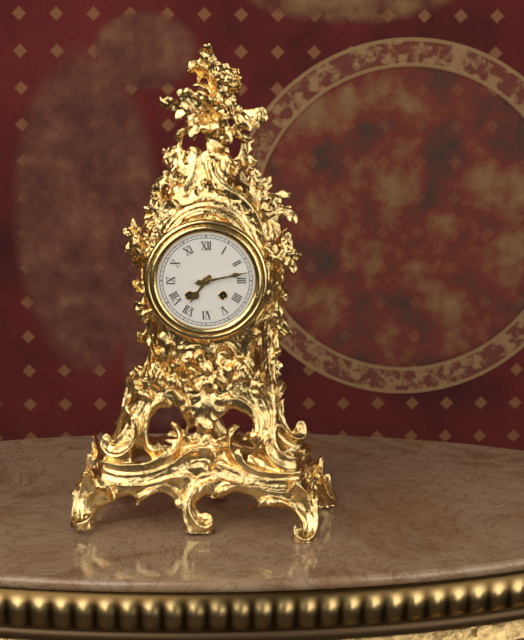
7:13
